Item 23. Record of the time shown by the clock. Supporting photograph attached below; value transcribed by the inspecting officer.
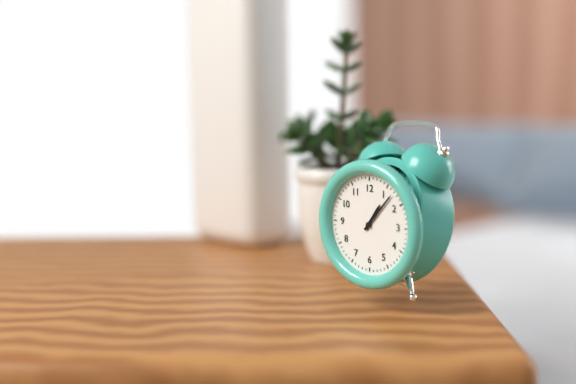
1:07
